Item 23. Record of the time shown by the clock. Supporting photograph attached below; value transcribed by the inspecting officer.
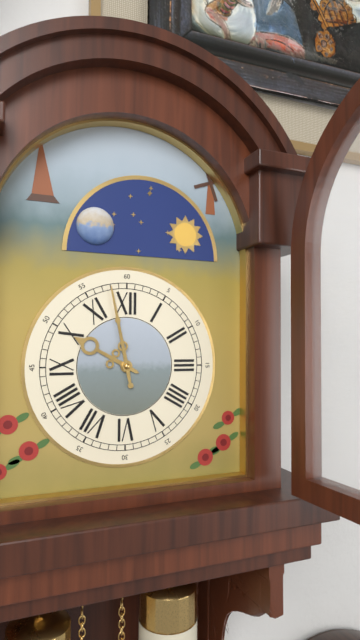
9:58
